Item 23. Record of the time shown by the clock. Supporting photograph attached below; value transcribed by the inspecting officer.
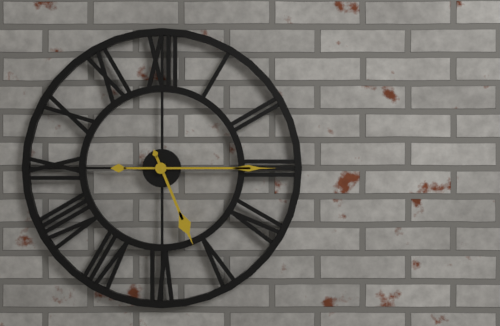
5:15
